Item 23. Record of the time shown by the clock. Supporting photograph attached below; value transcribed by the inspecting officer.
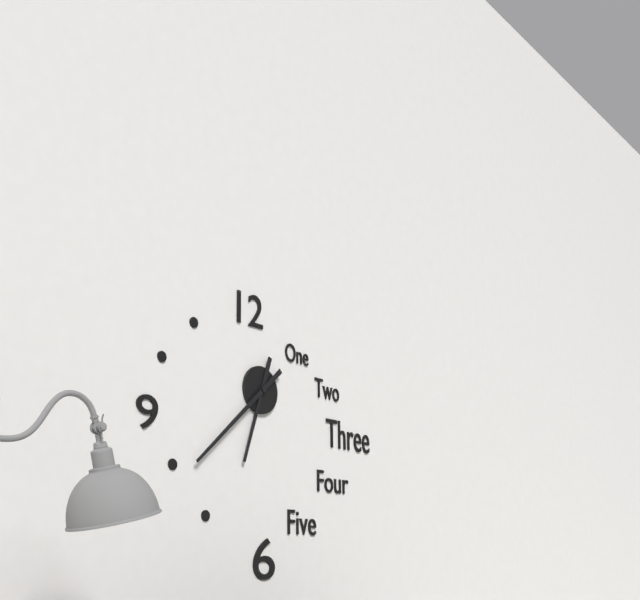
6:38
